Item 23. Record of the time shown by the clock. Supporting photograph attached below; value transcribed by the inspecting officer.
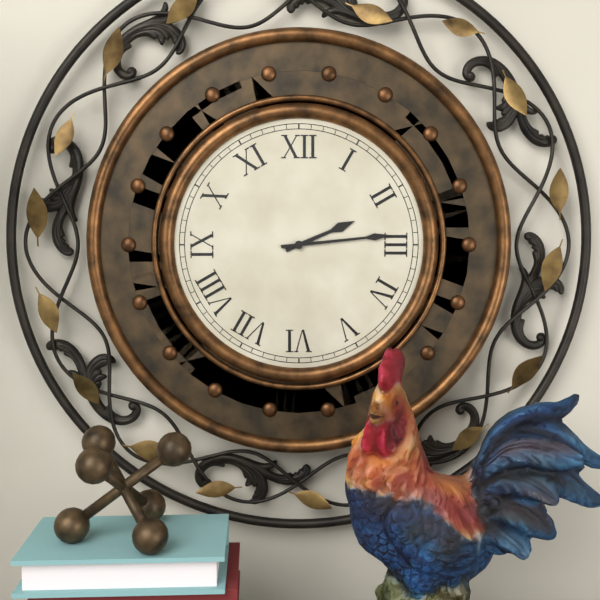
2:14
